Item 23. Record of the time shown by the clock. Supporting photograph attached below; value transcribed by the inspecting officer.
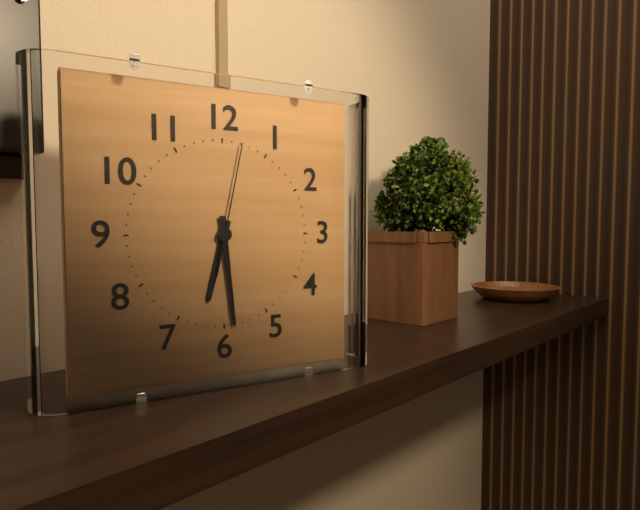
6:29:02
